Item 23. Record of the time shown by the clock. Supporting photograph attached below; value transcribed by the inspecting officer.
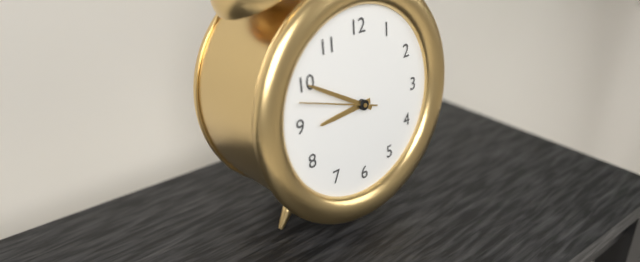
8:50:48
